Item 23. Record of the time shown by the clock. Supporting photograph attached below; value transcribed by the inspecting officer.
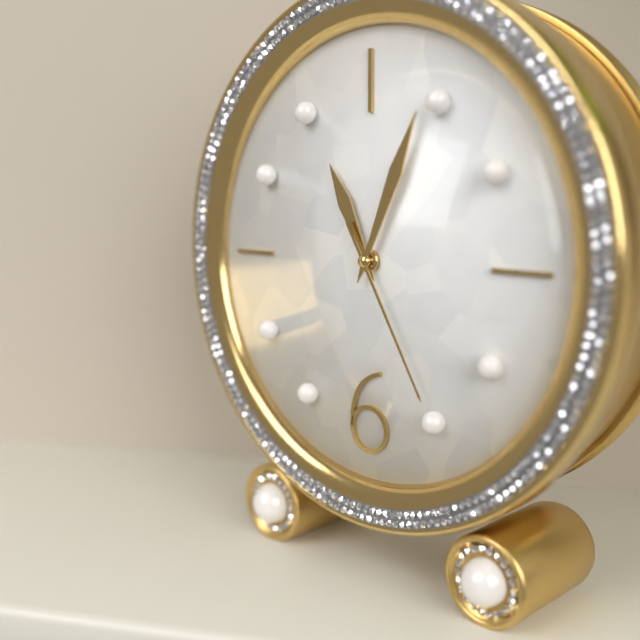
11:04:25
